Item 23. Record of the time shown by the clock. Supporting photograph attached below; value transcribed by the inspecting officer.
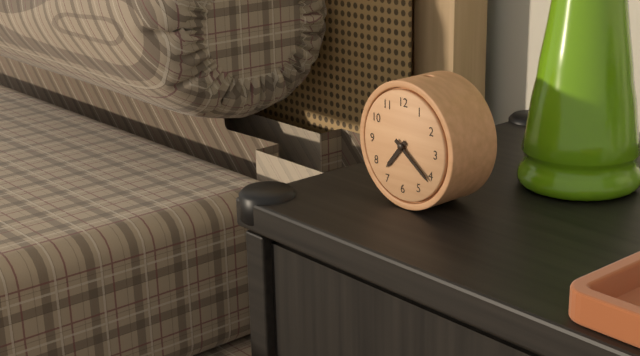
7:21
